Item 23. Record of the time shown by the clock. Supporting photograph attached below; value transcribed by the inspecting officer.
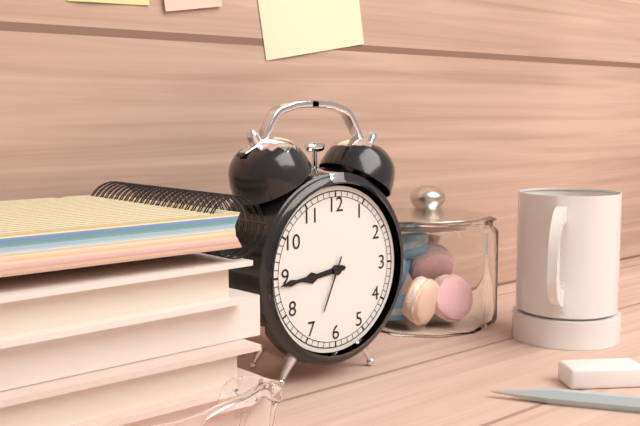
8:44:34
